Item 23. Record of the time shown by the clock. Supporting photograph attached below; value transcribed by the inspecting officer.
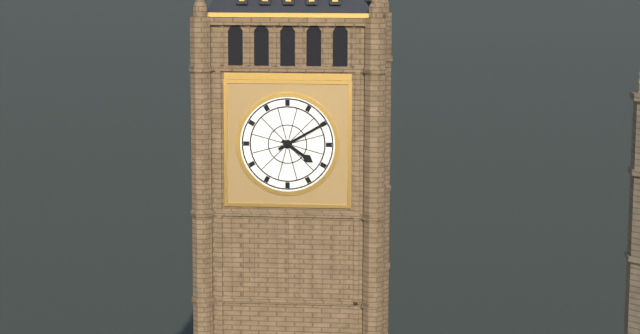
4:10
